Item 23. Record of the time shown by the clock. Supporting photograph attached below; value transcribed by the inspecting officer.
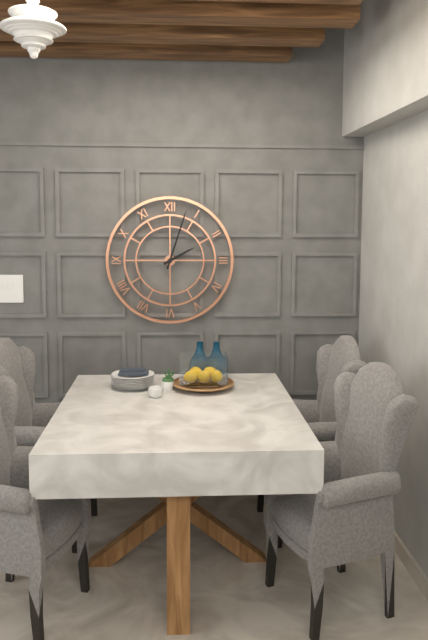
2:03
